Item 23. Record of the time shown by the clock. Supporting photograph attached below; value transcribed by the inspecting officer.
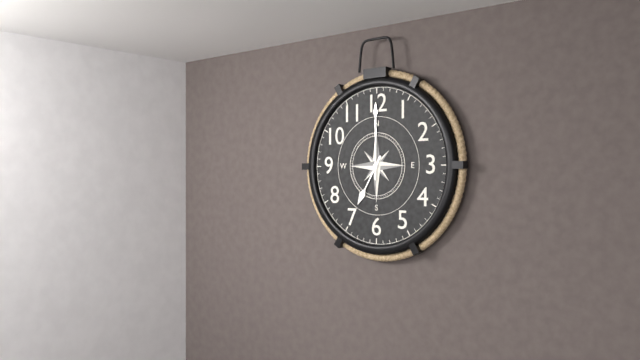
7:00
